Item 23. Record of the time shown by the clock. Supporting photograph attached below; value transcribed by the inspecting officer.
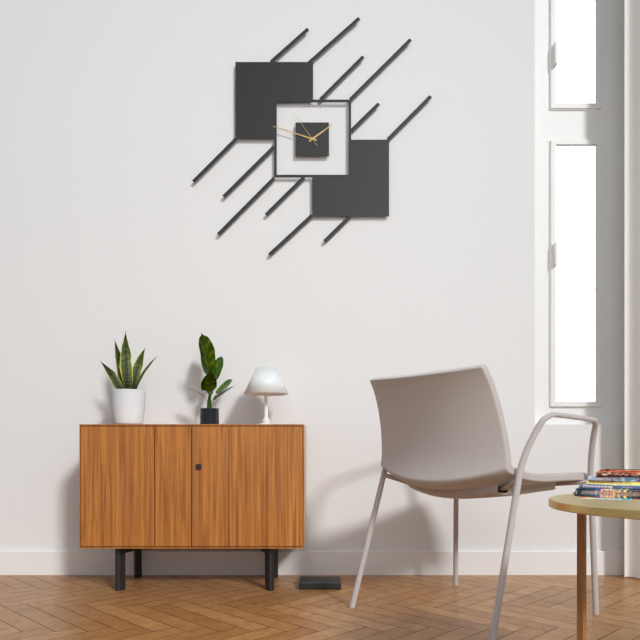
1:48
